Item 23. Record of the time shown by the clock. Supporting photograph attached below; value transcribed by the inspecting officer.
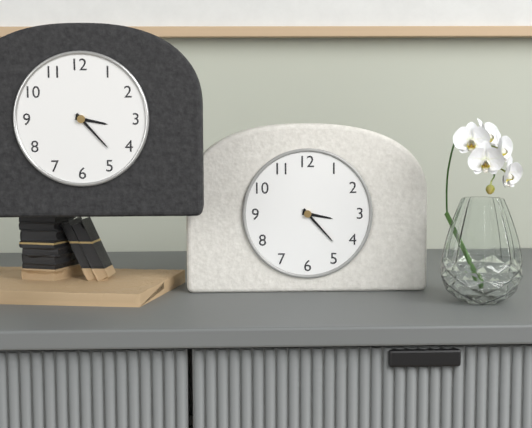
3:23
